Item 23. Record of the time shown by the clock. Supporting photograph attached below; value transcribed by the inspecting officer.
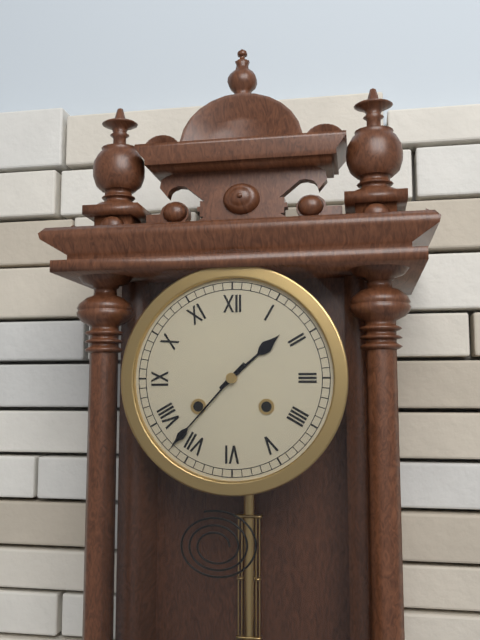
1:37
